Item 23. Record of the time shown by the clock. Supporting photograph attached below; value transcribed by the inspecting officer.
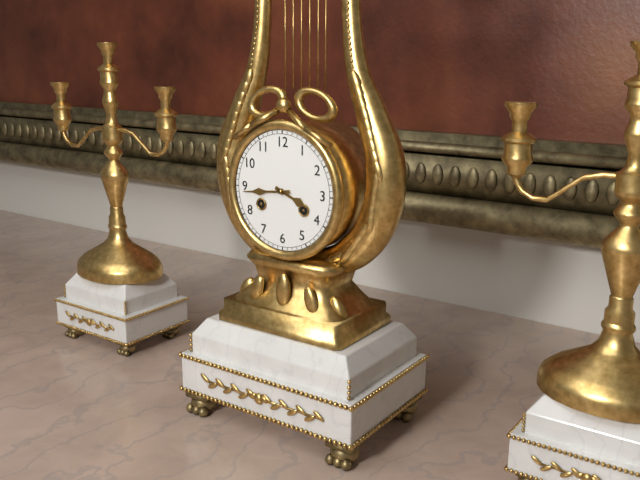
3:44
